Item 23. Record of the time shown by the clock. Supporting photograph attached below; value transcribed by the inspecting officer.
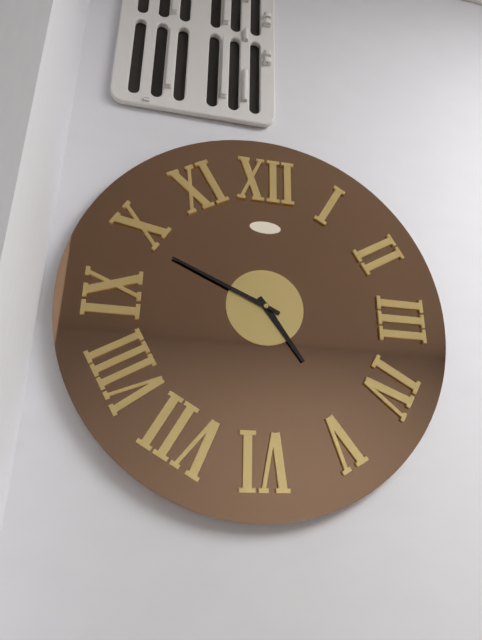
4:49
